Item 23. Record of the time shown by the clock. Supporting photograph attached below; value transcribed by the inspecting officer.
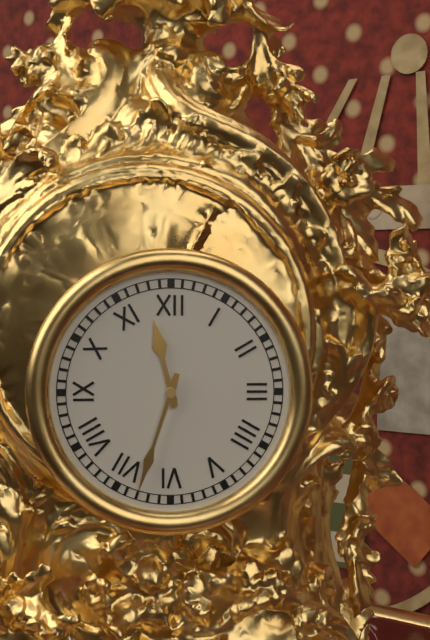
11:33
